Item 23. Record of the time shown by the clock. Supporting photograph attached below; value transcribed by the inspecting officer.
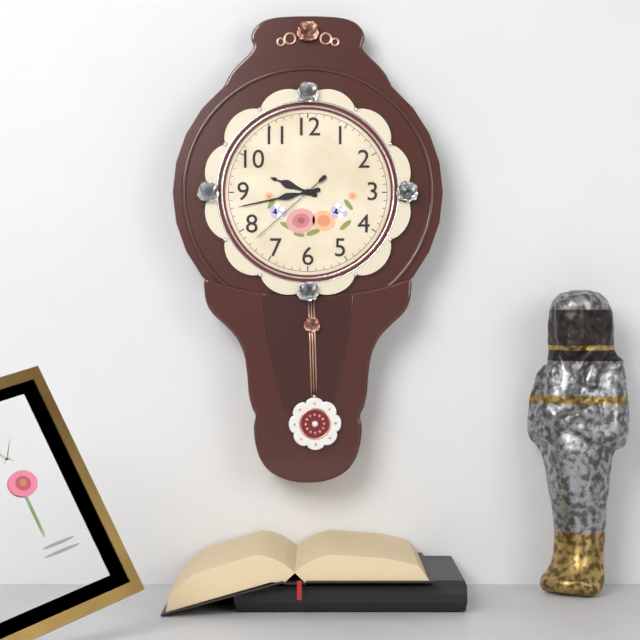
9:43:38
